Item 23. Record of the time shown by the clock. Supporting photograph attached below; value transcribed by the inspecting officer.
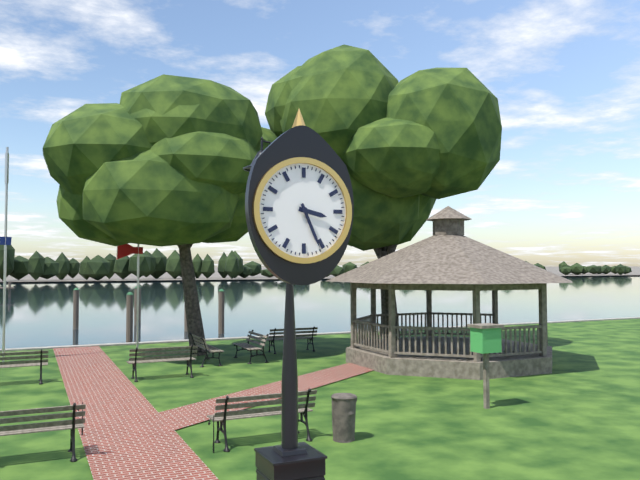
3:26
